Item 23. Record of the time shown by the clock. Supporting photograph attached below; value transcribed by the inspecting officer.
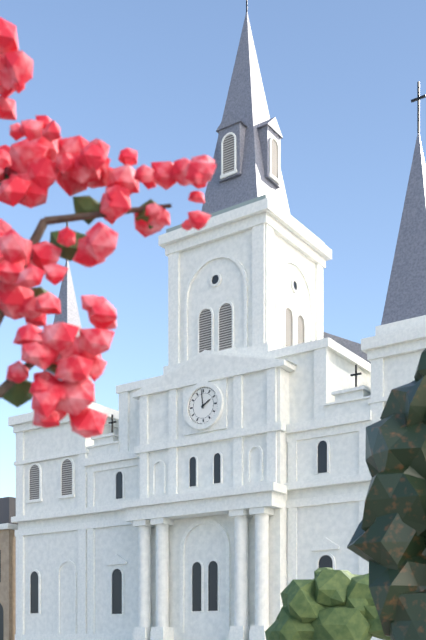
1:59
